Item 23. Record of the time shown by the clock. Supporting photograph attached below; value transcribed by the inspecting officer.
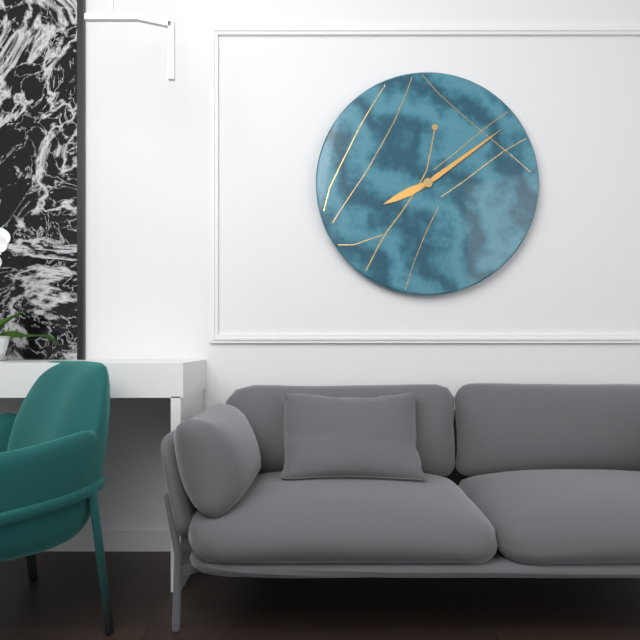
8:09
